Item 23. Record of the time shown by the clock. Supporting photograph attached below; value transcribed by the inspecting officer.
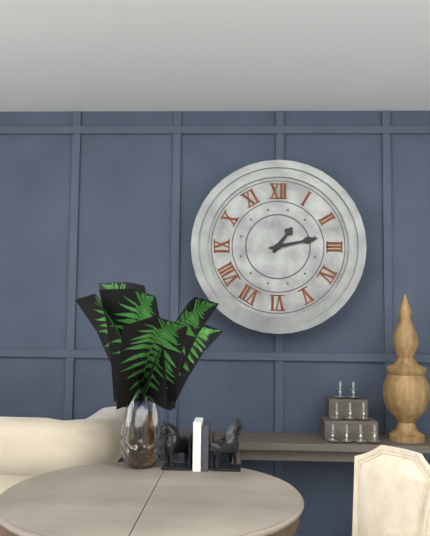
1:13
